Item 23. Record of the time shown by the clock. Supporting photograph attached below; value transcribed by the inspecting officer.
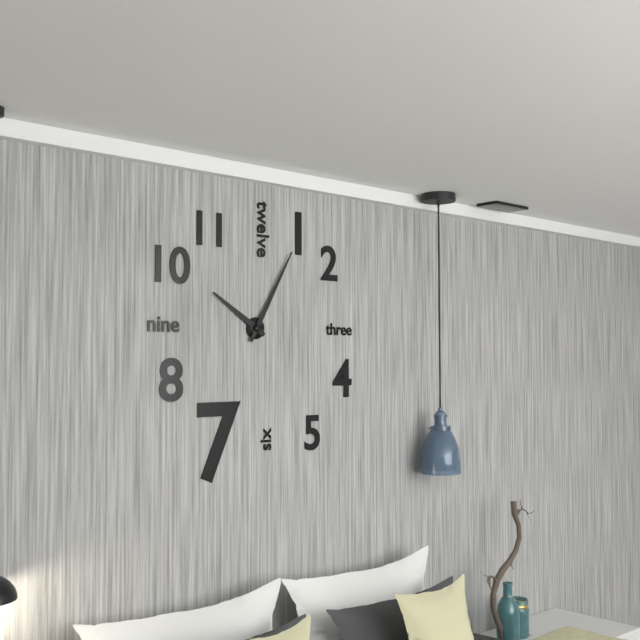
10:05
